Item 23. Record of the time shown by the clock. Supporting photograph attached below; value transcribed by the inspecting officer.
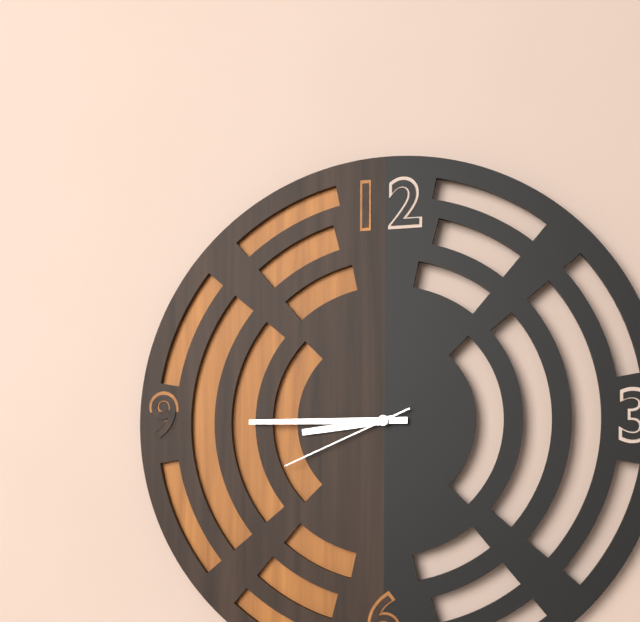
8:45:41
